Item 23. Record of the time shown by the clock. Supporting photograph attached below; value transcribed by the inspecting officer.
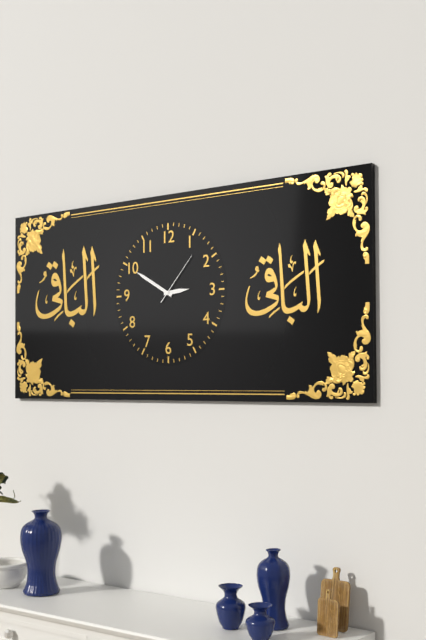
2:50:07
